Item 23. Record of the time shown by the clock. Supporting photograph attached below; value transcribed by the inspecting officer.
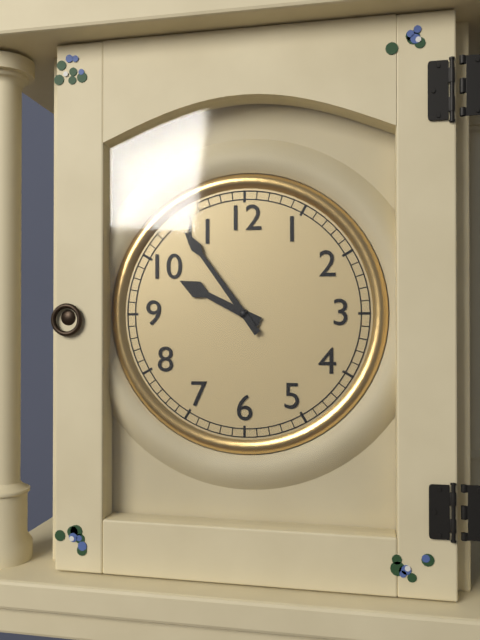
9:54
